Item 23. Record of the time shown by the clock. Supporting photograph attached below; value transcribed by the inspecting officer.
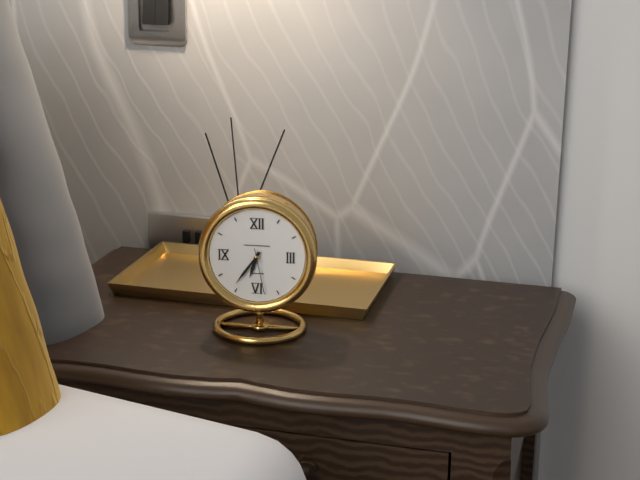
6:36
